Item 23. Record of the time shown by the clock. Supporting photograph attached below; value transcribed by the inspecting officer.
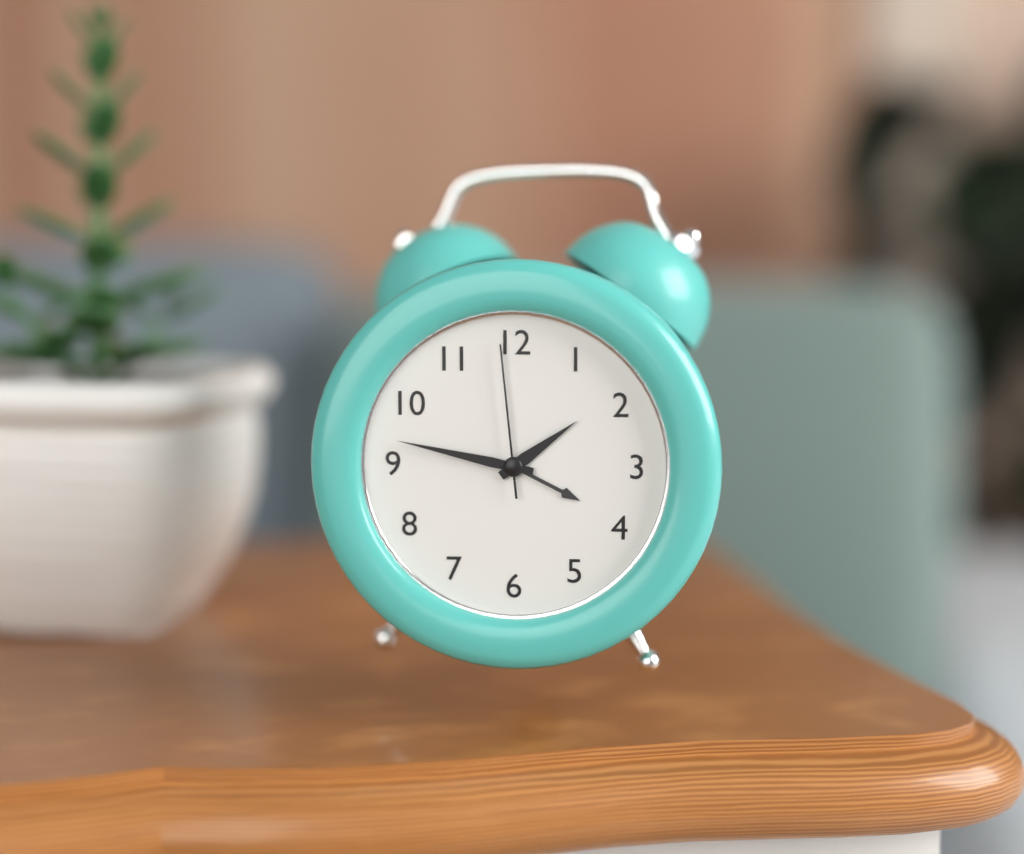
1:47:59
